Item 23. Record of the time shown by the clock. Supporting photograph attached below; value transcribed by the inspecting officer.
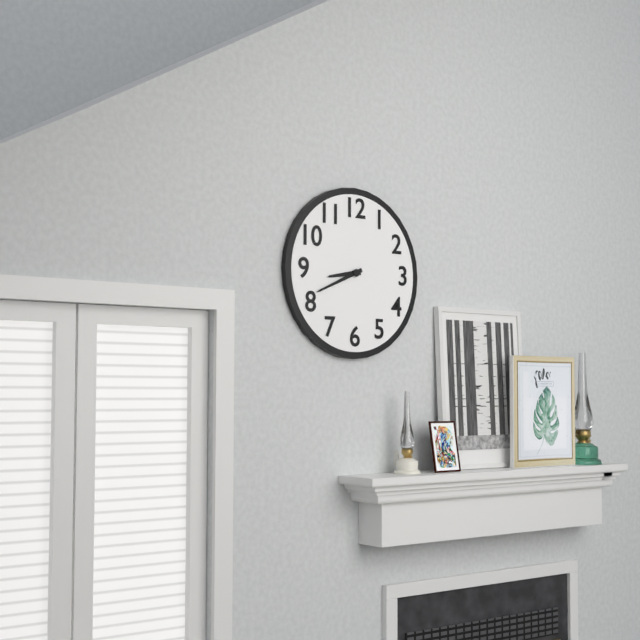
8:41
